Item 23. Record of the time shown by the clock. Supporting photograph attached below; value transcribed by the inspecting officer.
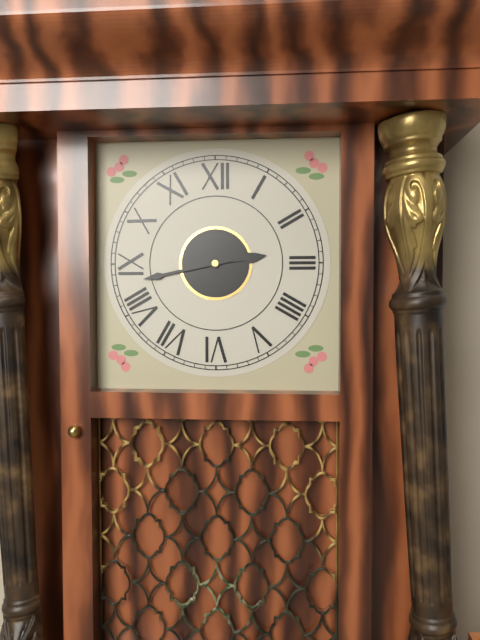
2:43
